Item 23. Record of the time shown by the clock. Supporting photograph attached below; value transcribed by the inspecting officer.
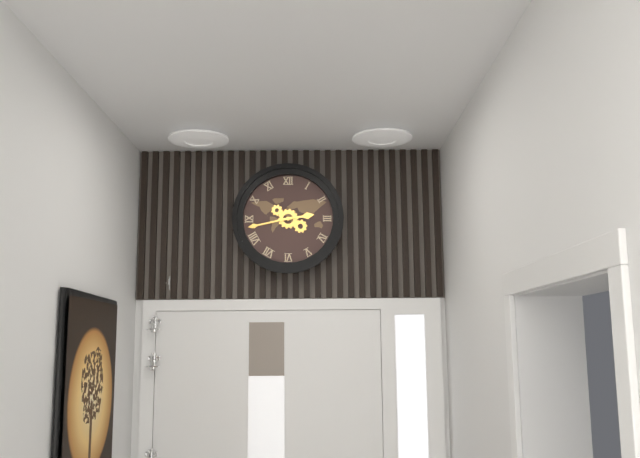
2:43
